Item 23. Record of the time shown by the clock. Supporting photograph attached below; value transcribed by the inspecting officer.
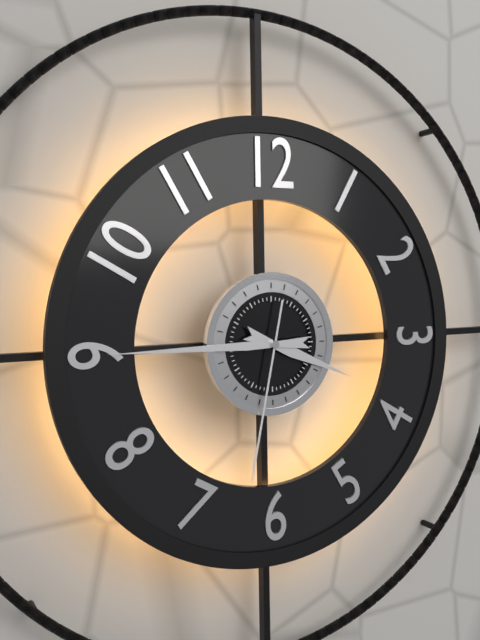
3:45:32
